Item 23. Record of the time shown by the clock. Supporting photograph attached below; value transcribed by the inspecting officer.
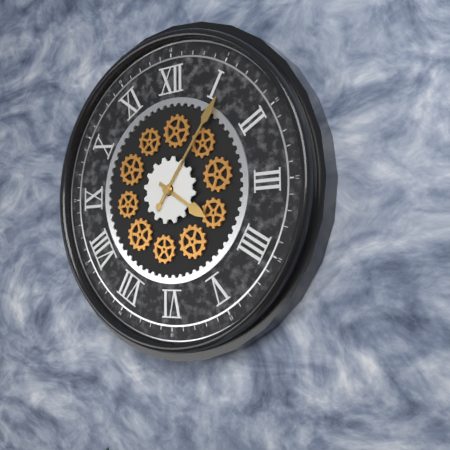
4:06
